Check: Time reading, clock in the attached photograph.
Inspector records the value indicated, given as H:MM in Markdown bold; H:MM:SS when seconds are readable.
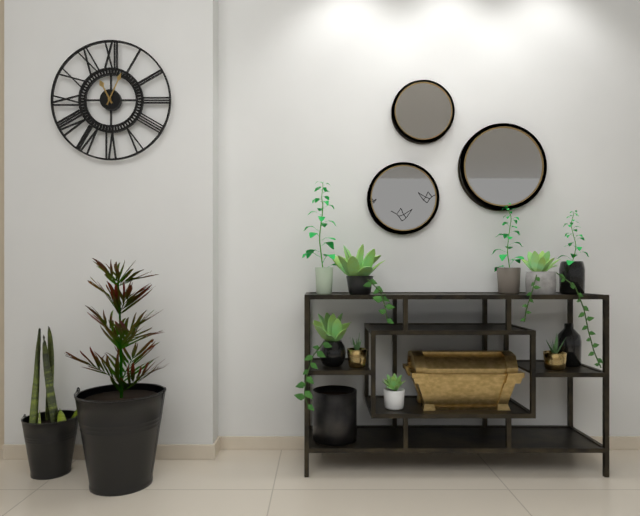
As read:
**11:04**
